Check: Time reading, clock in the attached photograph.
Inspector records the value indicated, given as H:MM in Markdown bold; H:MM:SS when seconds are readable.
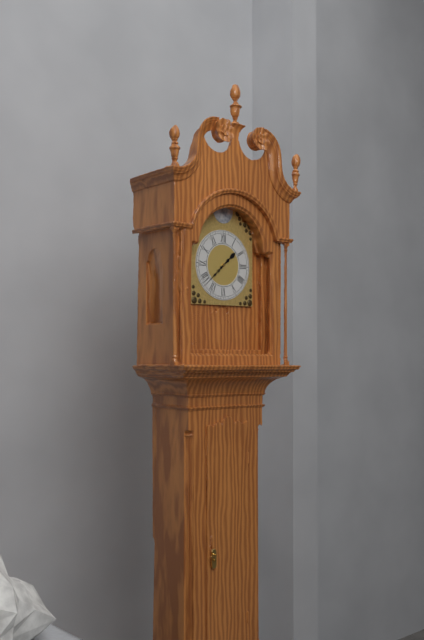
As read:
**1:38**
